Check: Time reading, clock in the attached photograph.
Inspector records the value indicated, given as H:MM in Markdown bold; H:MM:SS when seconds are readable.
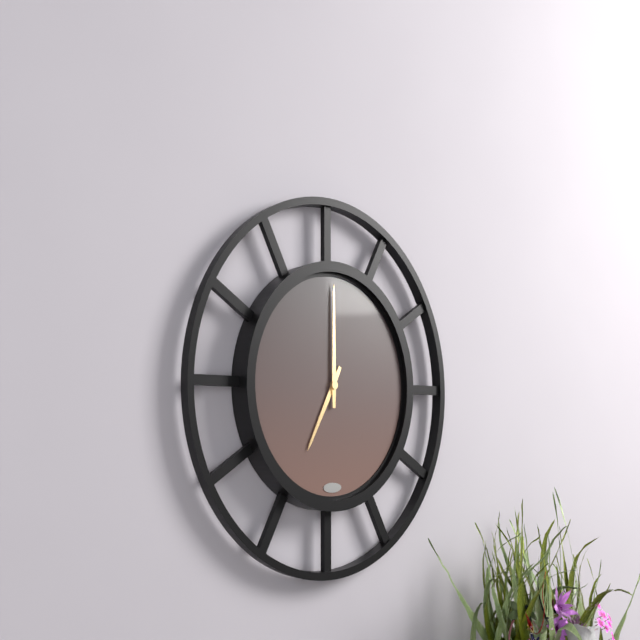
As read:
**7:00**
